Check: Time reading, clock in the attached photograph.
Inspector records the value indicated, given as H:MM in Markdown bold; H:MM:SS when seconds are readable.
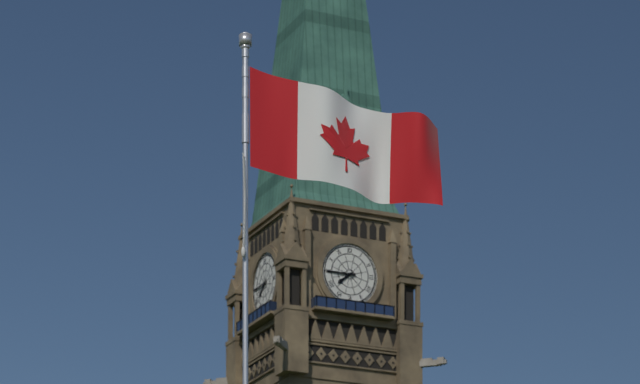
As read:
**7:45**
